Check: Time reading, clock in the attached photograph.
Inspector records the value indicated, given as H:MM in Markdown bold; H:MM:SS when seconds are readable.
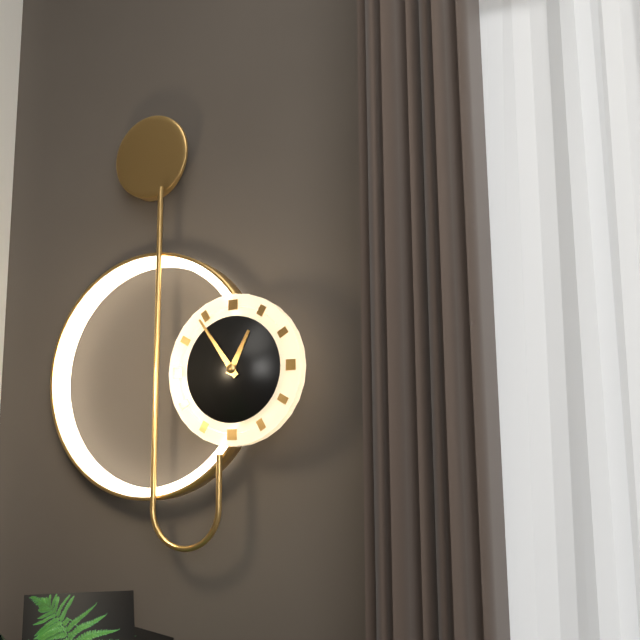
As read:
**12:54**
